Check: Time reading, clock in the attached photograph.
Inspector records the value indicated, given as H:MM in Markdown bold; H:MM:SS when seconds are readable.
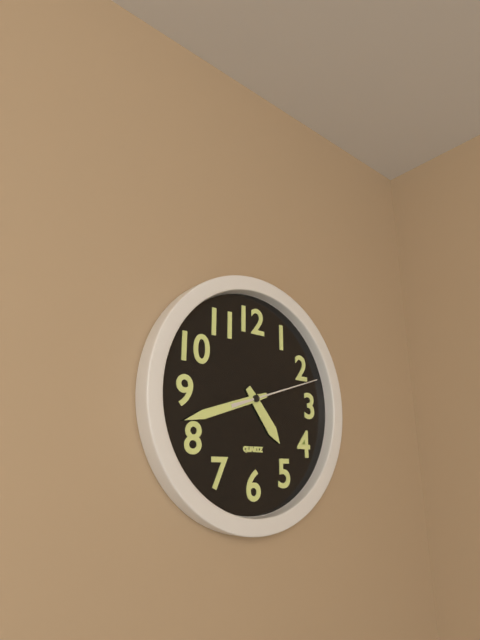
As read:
**4:42:12**
